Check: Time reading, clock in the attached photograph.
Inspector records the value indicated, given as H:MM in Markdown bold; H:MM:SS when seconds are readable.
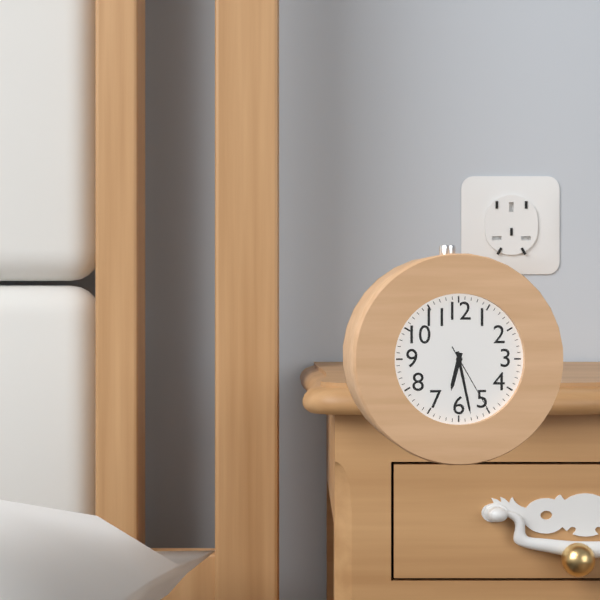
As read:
**6:28:25**
